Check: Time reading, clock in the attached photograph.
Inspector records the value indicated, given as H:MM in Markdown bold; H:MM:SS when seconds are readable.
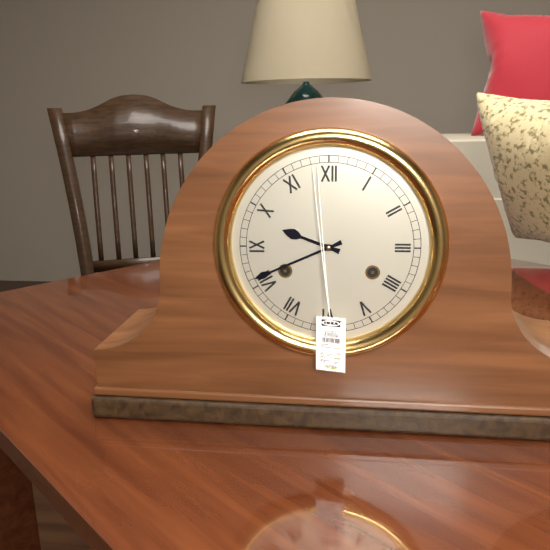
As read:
**9:41**
